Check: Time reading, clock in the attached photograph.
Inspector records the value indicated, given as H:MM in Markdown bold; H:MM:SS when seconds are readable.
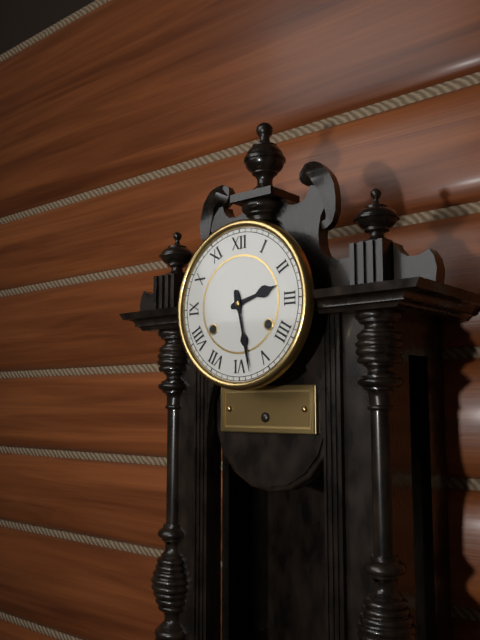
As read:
**2:28**
